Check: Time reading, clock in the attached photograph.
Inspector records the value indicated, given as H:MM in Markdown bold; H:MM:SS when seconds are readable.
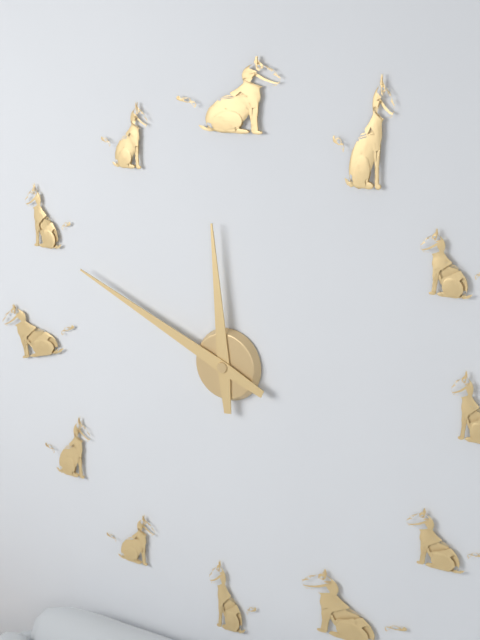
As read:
**11:49**
